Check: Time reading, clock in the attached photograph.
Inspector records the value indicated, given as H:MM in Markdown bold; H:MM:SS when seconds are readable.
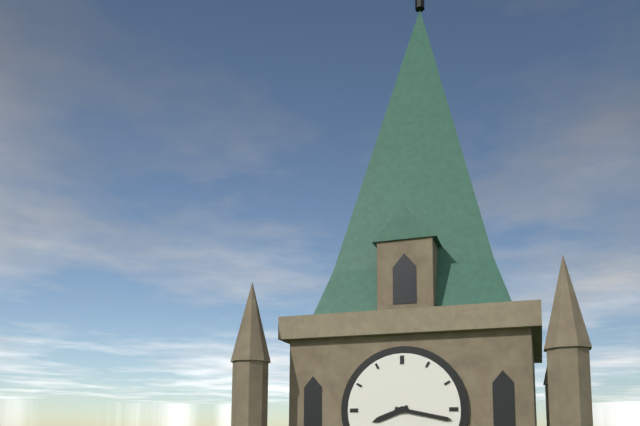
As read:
**8:17**
